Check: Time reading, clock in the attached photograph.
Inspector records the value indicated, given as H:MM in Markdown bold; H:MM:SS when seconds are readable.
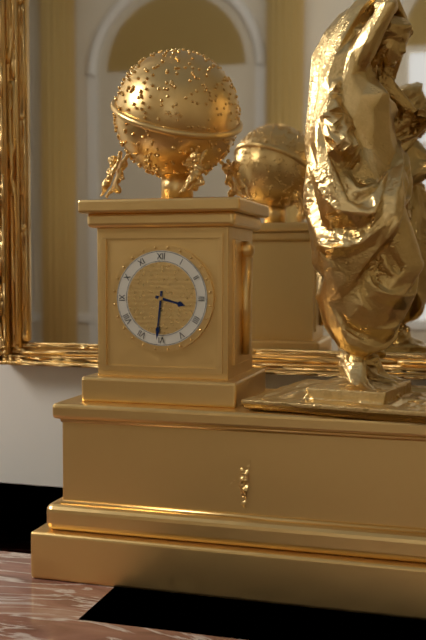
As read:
**3:31**
